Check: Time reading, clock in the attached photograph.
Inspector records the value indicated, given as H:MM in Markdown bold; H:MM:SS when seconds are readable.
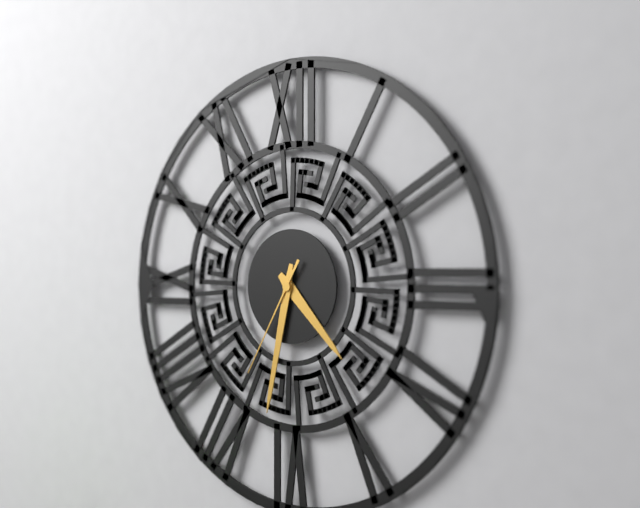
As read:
**4:32:35**
